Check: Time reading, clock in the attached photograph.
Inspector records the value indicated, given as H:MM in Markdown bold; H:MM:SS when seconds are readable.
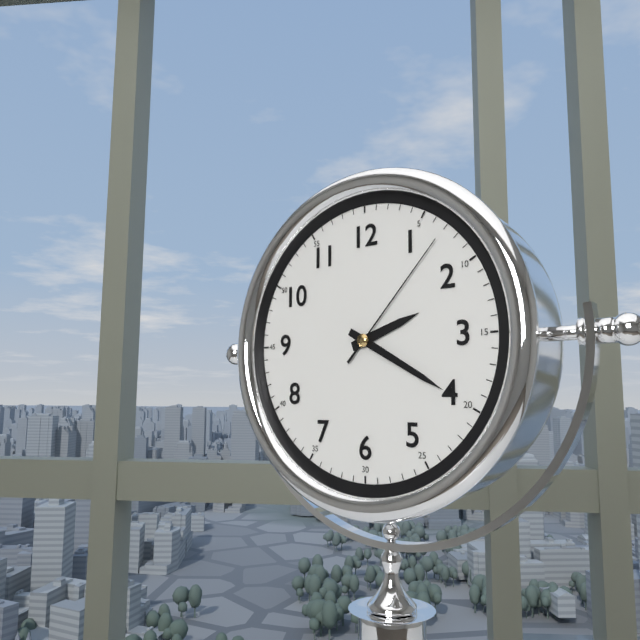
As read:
**2:20:07**
